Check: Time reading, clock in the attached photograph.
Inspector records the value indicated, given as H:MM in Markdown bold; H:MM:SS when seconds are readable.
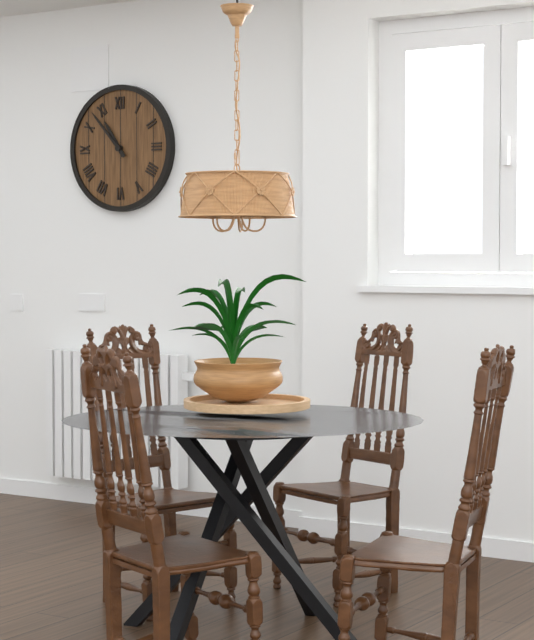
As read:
**10:53**
